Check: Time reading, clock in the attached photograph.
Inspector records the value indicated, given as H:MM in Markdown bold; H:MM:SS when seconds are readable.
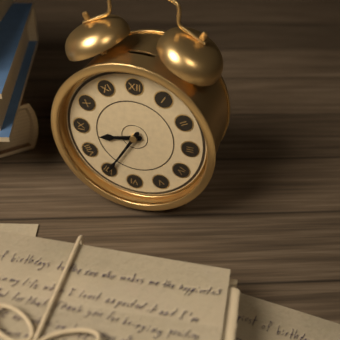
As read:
**8:35**
